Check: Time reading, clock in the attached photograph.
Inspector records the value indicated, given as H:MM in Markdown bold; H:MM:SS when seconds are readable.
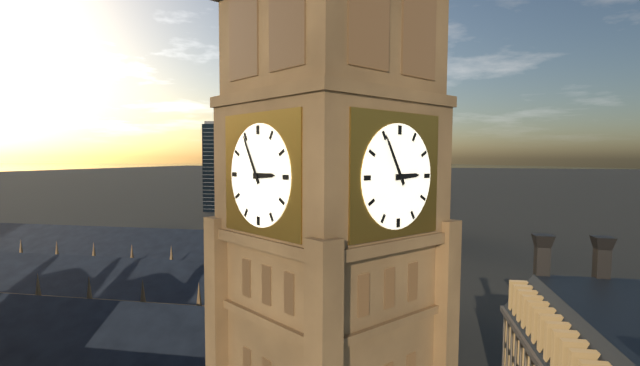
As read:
**2:55**
